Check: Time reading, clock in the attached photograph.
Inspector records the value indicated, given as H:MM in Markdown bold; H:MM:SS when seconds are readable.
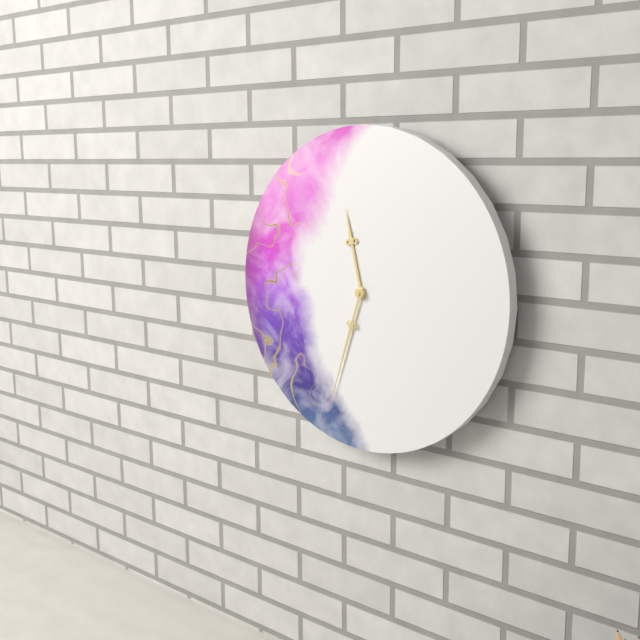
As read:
**11:33**
